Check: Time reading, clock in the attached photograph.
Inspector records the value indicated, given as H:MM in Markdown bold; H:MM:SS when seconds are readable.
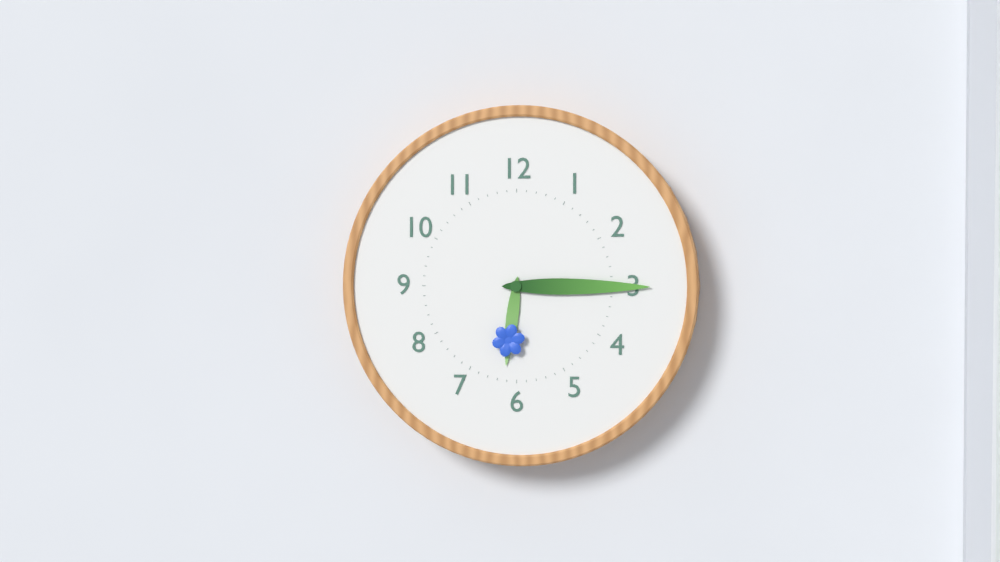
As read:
**6:15**
